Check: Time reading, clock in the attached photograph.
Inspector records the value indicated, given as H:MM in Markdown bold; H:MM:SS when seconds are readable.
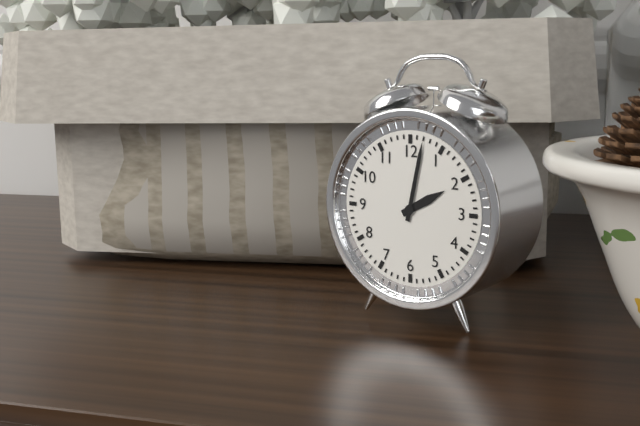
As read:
**2:02**
